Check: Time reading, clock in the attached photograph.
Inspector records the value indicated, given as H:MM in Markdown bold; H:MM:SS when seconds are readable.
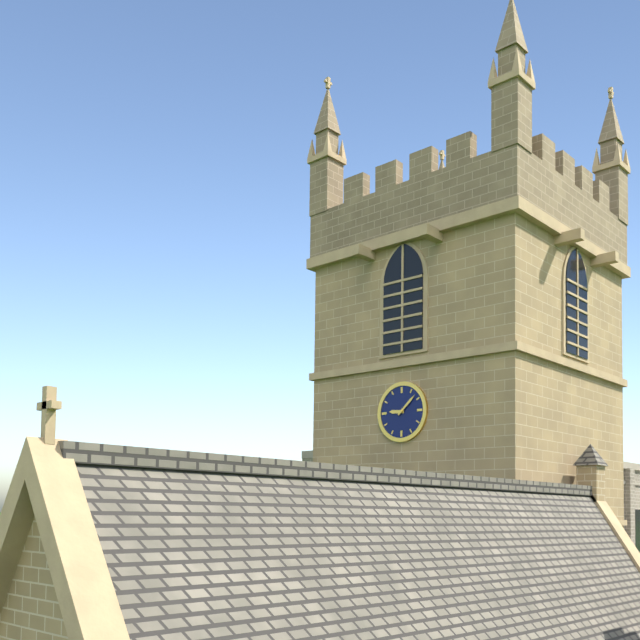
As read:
**9:08**
